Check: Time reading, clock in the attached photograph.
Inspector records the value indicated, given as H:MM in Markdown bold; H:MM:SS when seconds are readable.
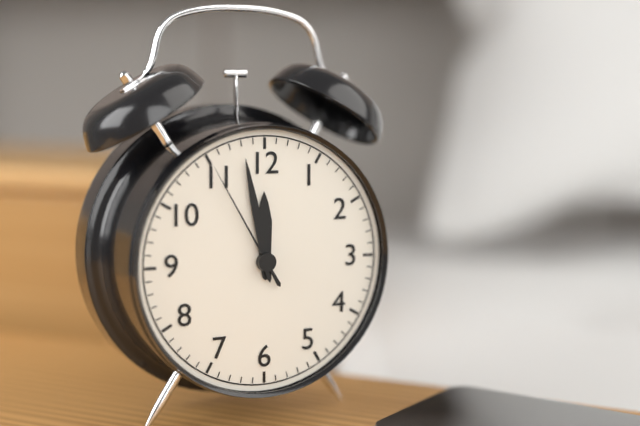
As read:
**11:58:55**
